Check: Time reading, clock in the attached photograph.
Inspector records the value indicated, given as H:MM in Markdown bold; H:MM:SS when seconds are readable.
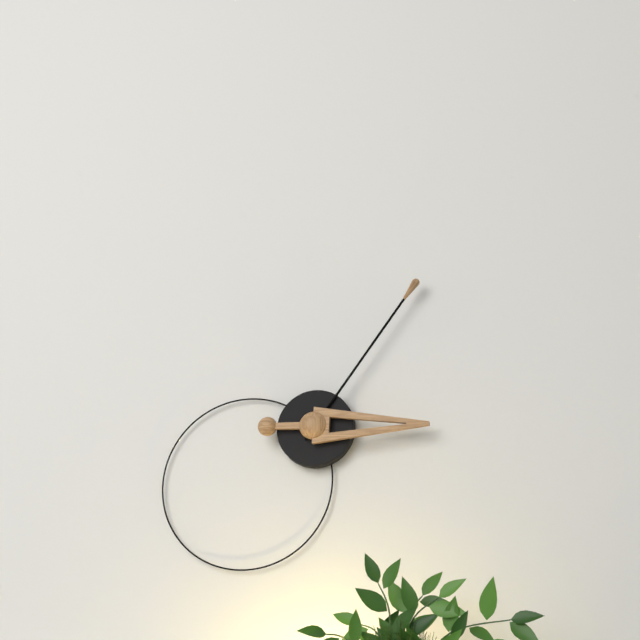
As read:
**3:06**
